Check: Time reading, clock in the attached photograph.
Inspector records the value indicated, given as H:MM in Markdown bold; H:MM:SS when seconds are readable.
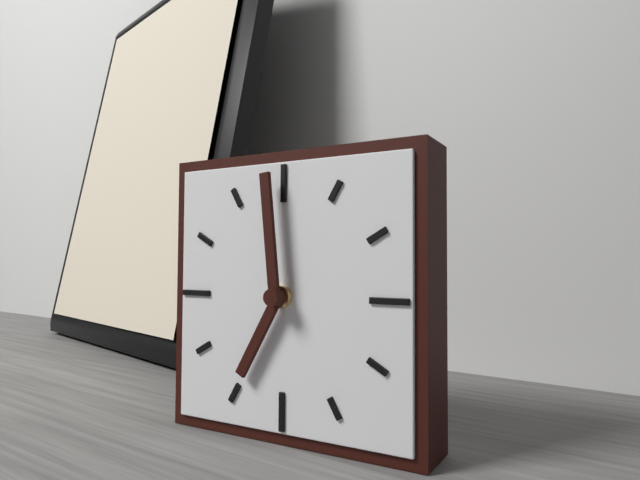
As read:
**6:59**
